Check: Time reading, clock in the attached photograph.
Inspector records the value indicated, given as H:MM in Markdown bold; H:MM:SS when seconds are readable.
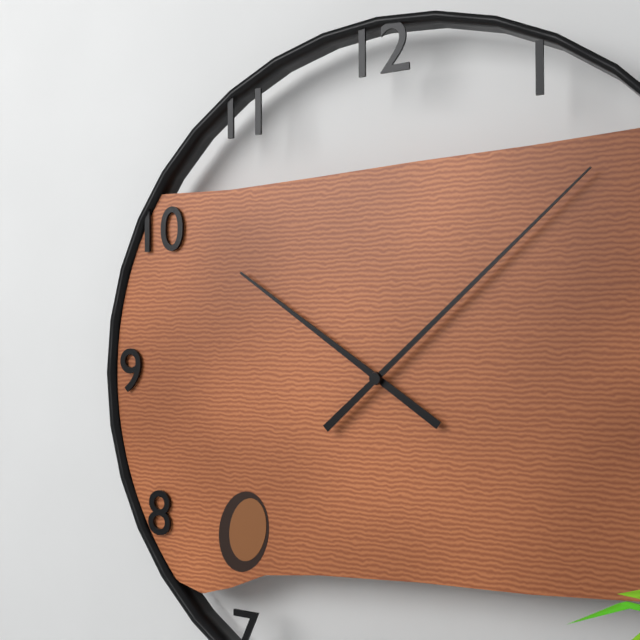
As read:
**10:08**
